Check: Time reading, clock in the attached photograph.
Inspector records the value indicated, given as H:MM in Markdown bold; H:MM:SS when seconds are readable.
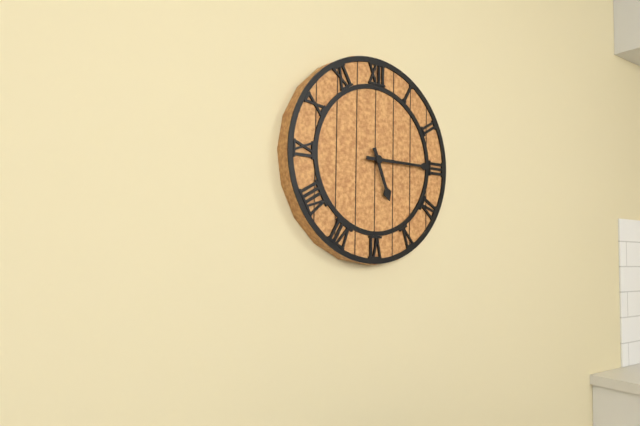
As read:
**5:15**
